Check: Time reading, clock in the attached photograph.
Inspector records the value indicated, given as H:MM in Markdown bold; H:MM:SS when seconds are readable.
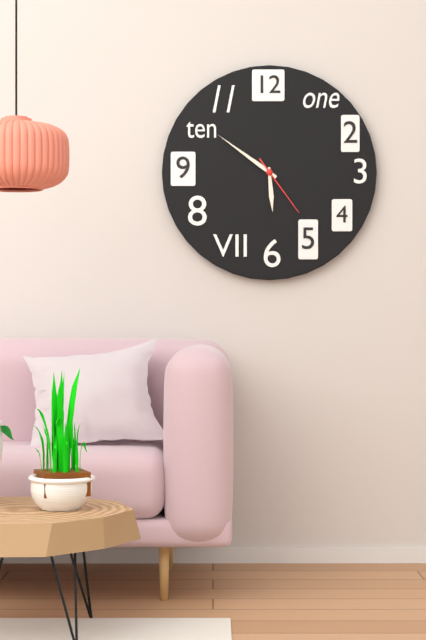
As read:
**5:51:24**
